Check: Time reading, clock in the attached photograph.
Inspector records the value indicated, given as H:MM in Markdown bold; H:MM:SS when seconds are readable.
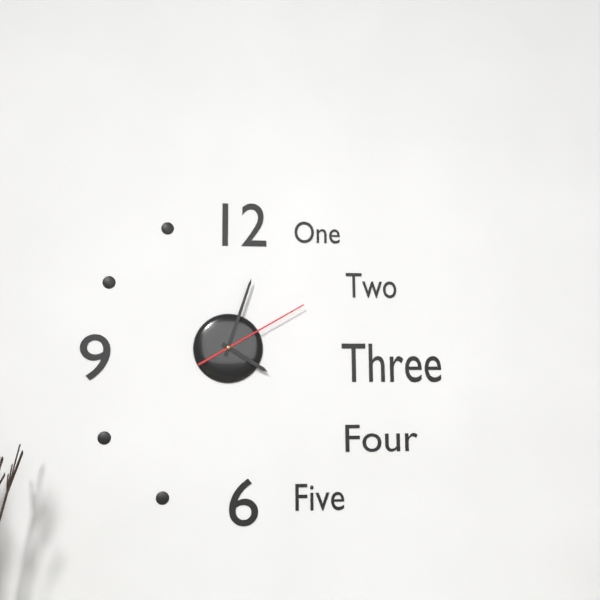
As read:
**4:03:10**
